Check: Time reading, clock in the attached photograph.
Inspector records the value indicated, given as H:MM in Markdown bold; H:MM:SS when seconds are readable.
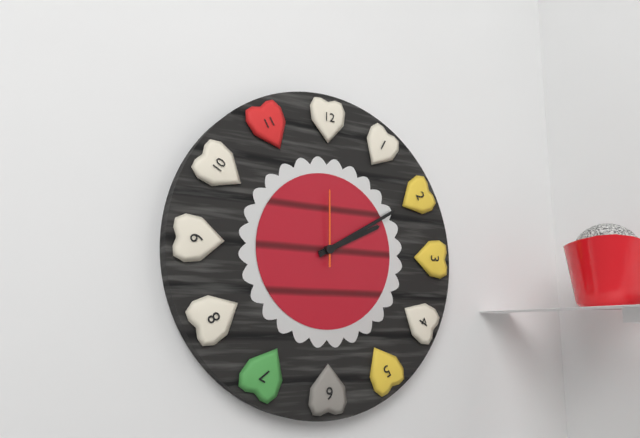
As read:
**2:10:00**
